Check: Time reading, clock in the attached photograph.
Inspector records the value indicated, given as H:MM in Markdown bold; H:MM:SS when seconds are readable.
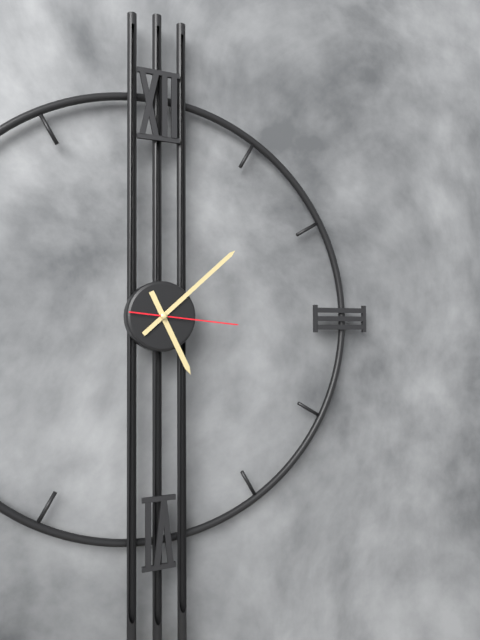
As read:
**5:08:16**
